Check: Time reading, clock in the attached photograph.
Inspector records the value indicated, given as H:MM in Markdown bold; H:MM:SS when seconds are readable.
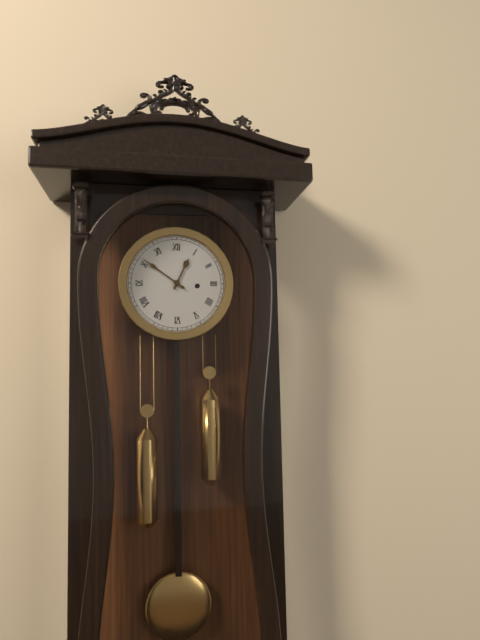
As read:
**12:51**
